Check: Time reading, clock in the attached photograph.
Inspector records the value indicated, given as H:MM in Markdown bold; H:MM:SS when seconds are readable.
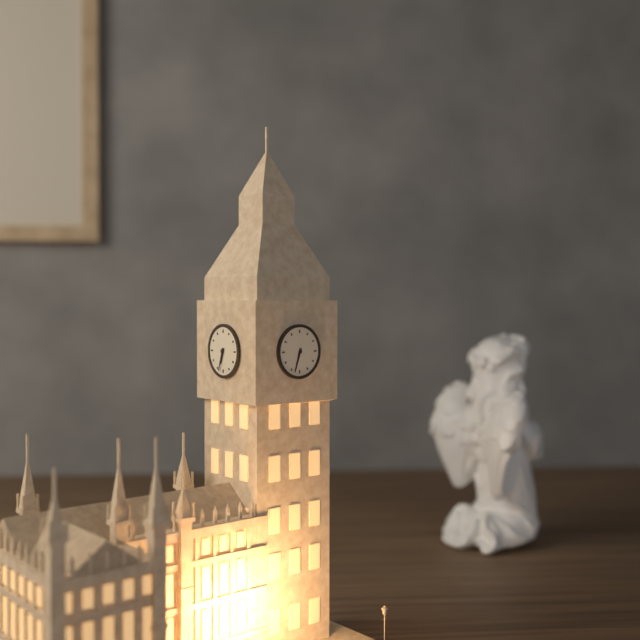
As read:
**6:33**
